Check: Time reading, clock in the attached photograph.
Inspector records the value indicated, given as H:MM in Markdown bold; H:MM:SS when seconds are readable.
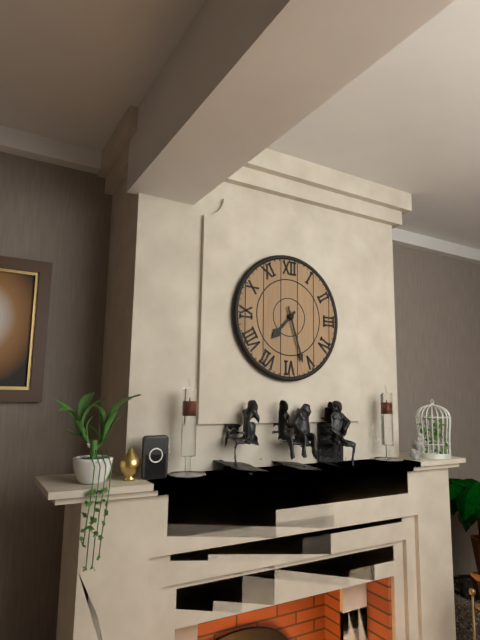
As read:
**7:27**
